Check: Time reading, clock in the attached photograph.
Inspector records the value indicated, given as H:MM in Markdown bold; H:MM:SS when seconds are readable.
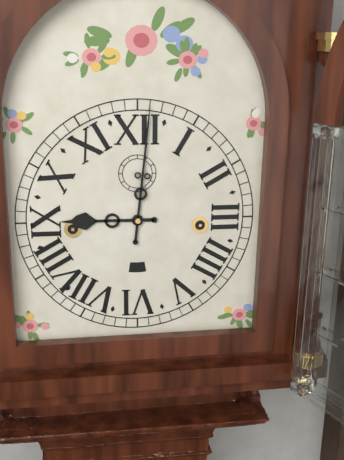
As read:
**9:01**
